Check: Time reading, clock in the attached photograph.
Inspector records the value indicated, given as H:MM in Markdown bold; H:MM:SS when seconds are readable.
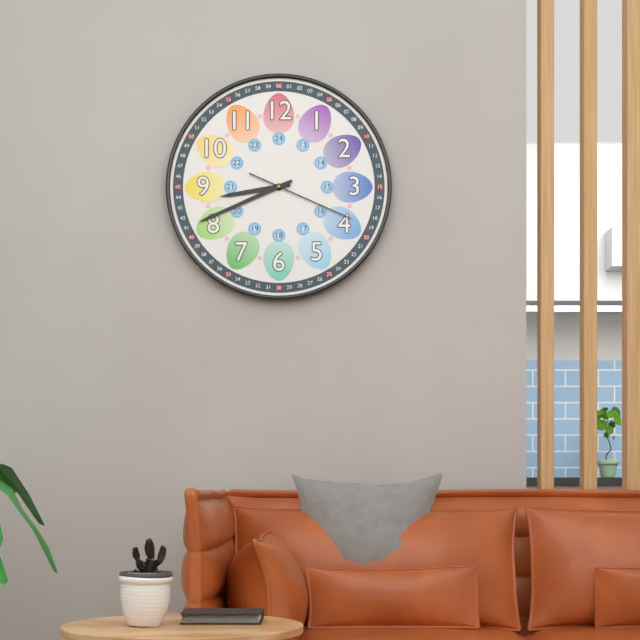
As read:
**8:41:19**
